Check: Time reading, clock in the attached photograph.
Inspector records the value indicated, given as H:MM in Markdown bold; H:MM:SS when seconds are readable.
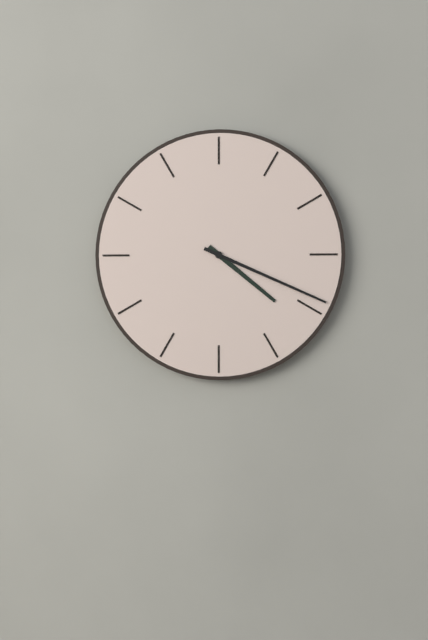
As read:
**4:19**
